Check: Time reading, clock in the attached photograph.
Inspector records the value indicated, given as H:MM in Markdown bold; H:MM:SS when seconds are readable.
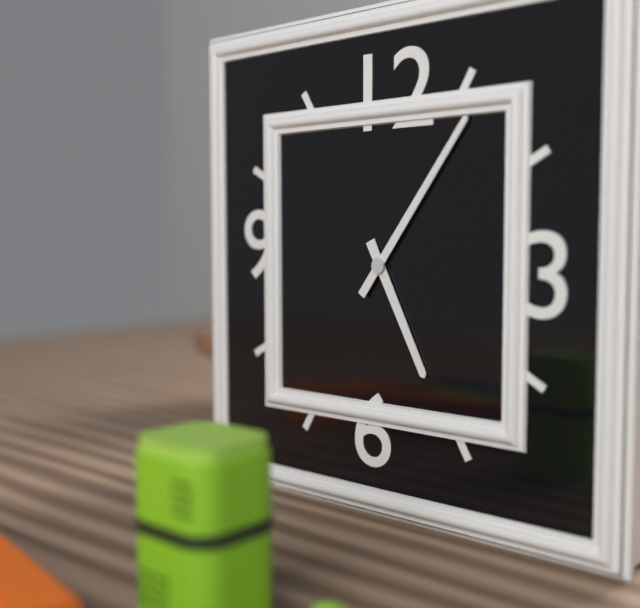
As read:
**5:06**
